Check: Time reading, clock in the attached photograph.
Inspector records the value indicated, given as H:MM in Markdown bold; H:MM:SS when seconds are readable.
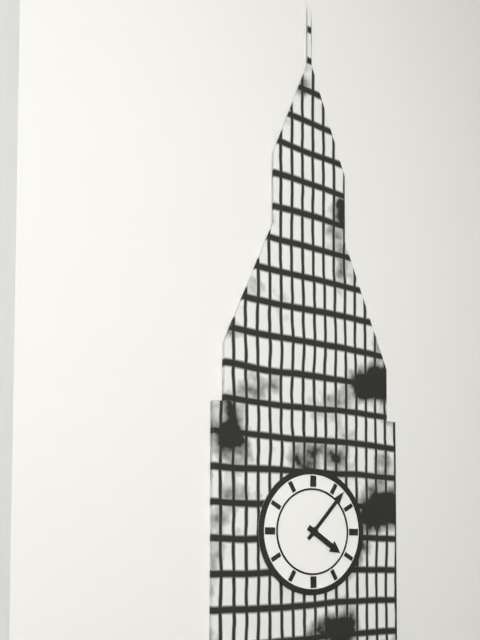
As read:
**4:07**
